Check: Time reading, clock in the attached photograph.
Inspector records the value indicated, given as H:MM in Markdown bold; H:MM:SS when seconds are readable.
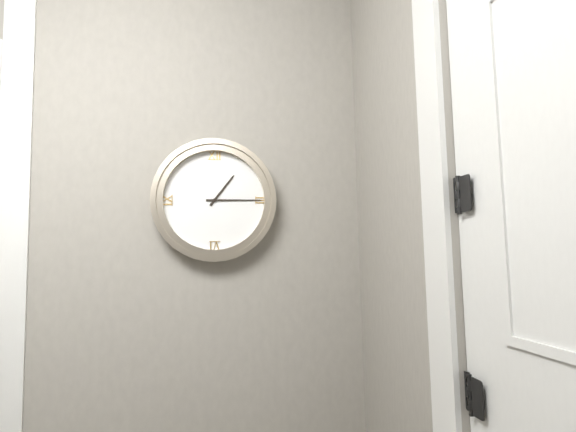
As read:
**1:15**
